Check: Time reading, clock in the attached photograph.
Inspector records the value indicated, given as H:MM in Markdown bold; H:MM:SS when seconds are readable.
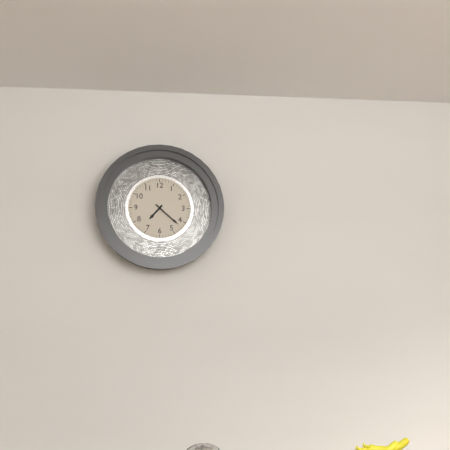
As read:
**7:22**
